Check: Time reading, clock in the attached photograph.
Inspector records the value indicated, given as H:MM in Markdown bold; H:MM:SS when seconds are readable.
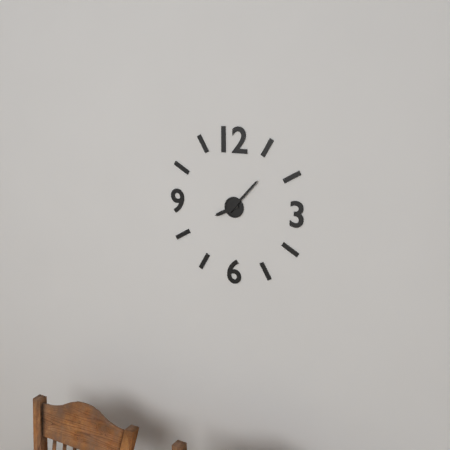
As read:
**8:07**
